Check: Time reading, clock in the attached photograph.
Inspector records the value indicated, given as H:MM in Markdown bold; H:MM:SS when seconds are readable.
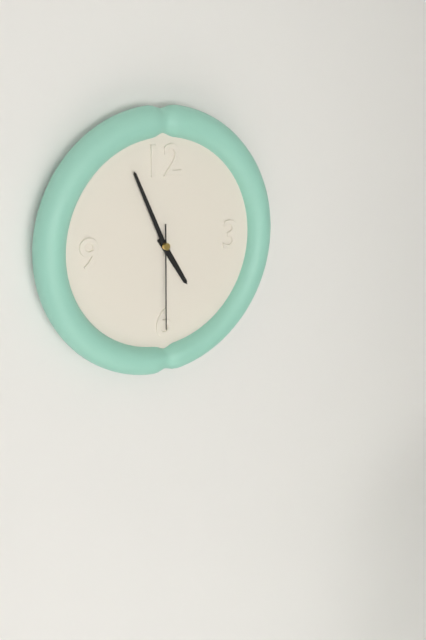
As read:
**4:56:30**
